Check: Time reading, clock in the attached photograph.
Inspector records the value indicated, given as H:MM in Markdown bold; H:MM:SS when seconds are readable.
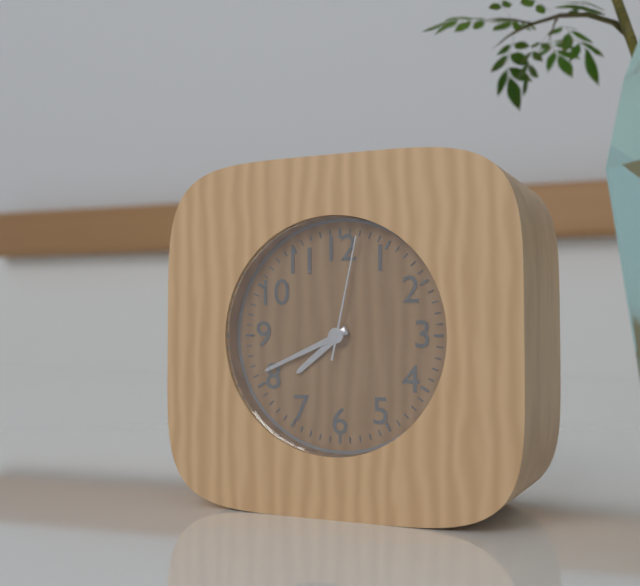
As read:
**7:41:02**
